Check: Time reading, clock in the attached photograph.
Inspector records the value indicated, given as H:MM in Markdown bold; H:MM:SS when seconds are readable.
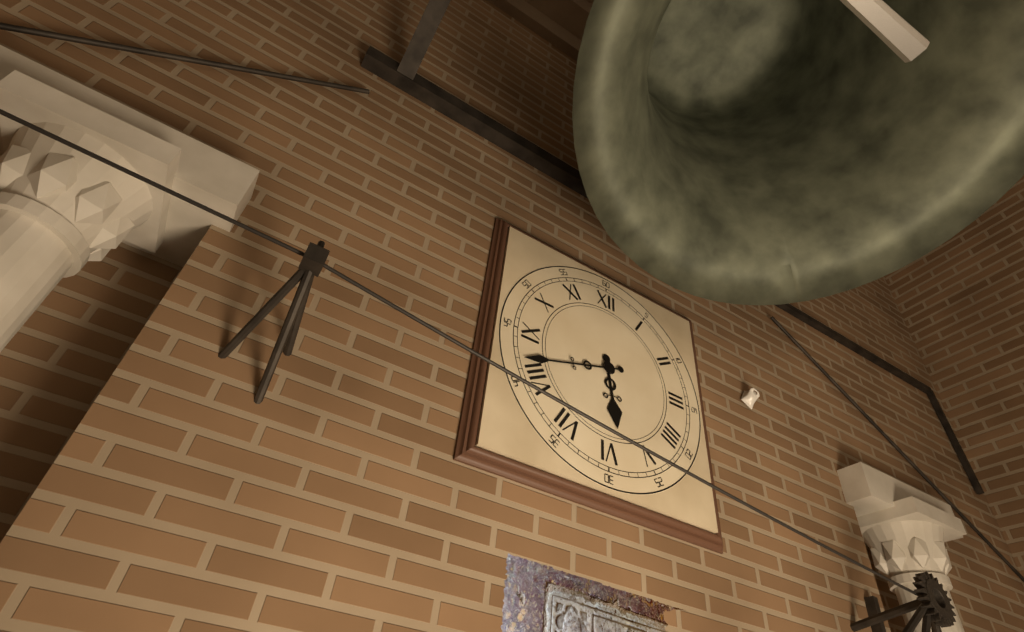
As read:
**5:42**
